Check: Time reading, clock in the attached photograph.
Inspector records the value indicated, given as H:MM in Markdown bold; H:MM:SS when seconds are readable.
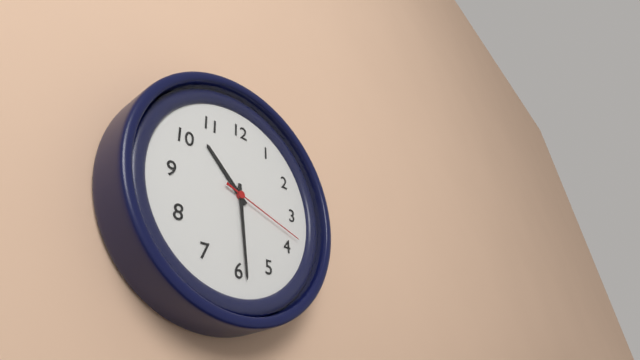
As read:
**10:29:18**
